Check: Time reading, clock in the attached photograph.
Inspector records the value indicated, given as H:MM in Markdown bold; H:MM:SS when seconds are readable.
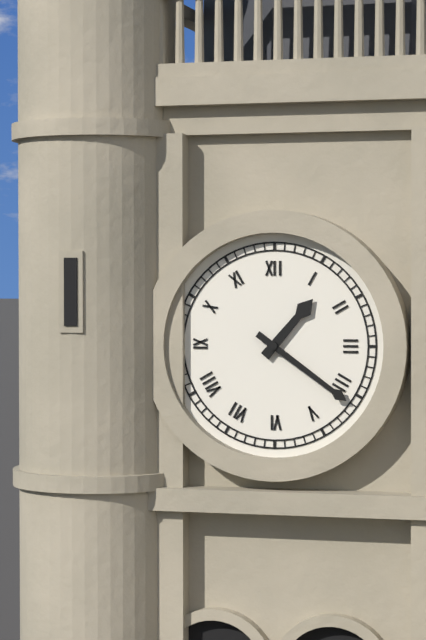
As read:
**1:21**
